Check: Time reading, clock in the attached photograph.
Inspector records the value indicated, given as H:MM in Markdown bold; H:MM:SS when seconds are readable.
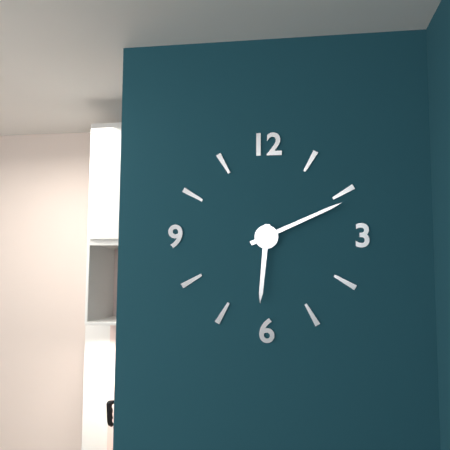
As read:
**6:11**
